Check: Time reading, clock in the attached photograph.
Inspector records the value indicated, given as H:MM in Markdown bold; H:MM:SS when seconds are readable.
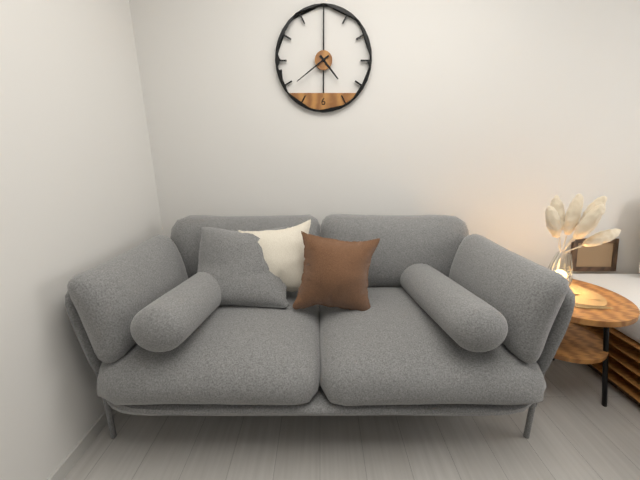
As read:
**4:39**
